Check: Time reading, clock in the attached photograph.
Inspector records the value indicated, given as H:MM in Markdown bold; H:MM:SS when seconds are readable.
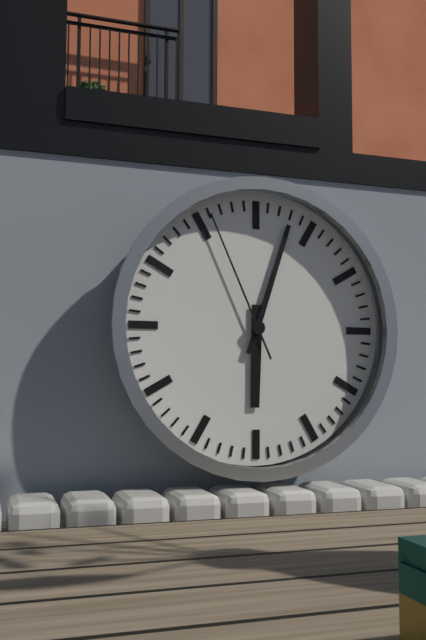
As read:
**6:03:56**
